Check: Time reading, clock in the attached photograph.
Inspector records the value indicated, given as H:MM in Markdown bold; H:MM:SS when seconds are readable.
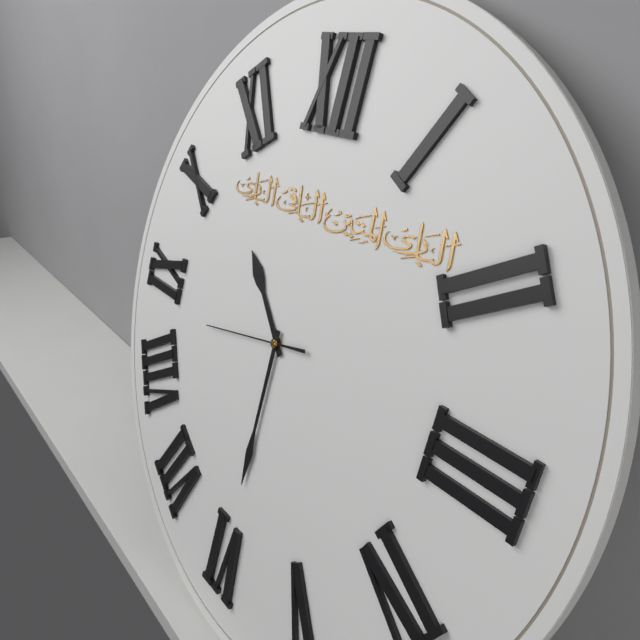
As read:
**10:30:43**
